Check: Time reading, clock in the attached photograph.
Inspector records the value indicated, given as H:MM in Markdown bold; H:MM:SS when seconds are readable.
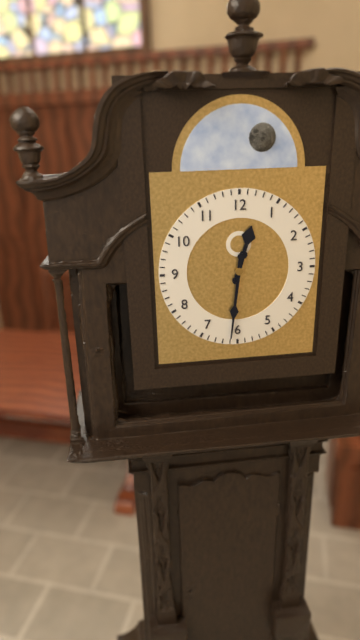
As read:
**12:31**
